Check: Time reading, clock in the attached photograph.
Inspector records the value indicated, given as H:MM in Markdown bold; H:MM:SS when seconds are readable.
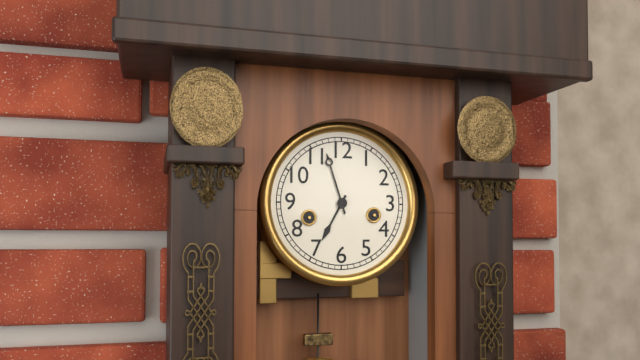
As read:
**6:57**
